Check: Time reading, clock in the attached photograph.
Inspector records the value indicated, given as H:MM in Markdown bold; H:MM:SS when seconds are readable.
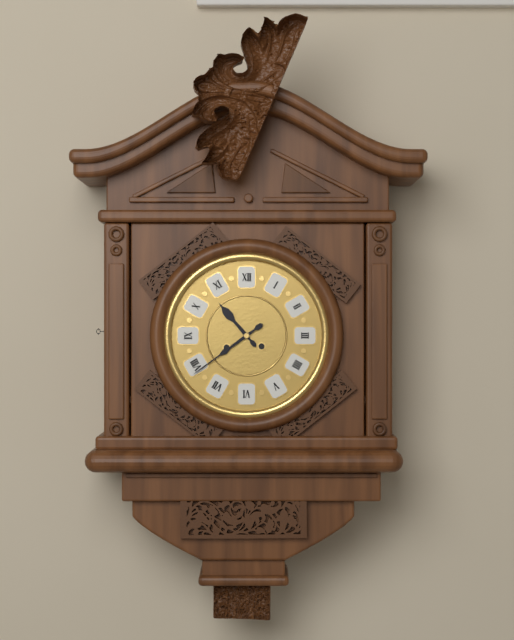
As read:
**10:39**
